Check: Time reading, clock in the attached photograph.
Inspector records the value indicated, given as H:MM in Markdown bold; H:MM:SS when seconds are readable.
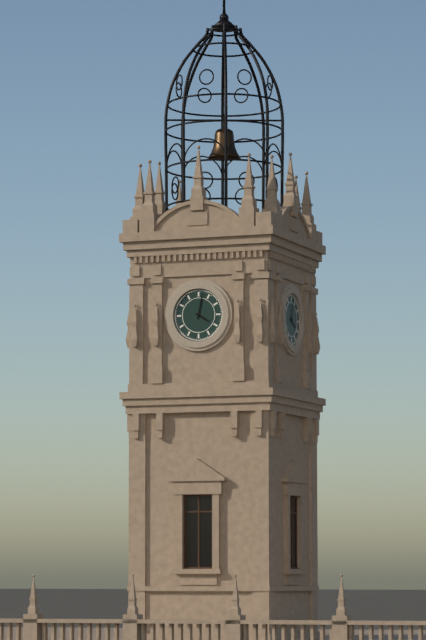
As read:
**4:02**
